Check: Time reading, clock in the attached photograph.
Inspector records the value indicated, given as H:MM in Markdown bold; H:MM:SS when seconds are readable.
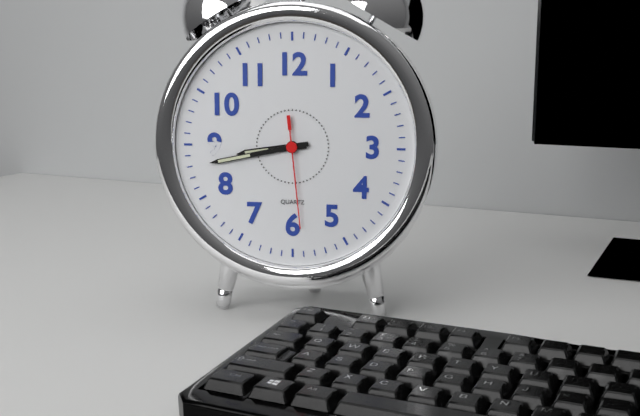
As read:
**8:43:29**
